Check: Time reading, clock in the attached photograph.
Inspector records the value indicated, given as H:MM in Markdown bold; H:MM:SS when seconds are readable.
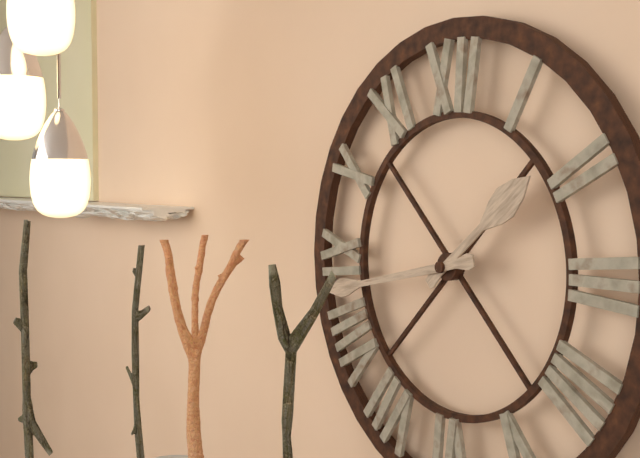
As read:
**1:43**
